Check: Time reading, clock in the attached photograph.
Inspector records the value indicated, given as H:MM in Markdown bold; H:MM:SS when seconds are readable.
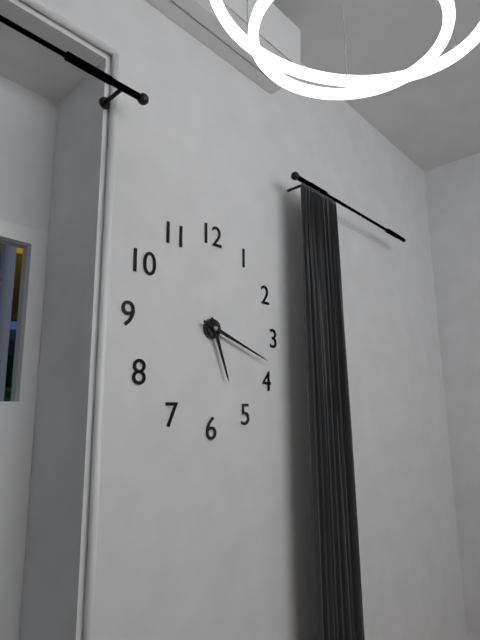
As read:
**5:18**
